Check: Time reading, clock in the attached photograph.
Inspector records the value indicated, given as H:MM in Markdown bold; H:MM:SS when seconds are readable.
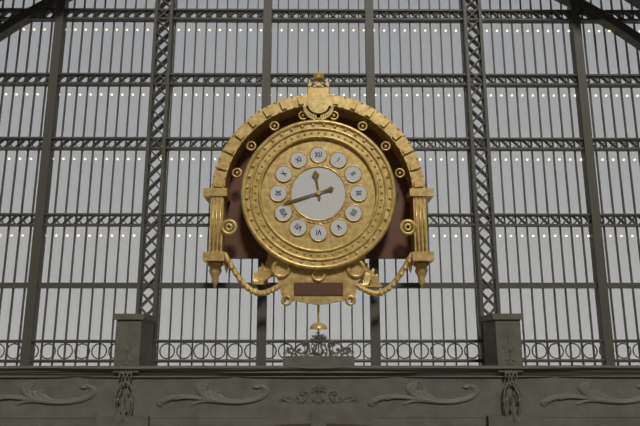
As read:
**11:42**
